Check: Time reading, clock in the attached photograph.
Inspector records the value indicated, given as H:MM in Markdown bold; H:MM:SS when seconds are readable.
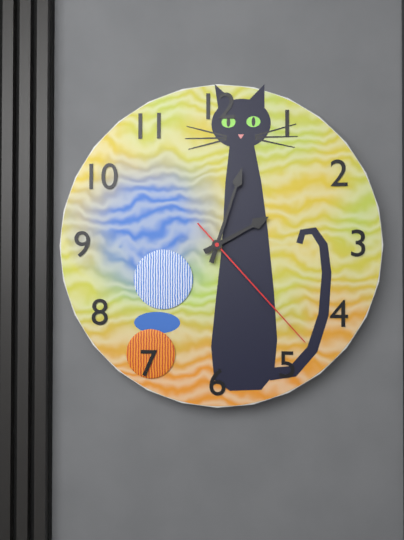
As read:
**2:03:23**
